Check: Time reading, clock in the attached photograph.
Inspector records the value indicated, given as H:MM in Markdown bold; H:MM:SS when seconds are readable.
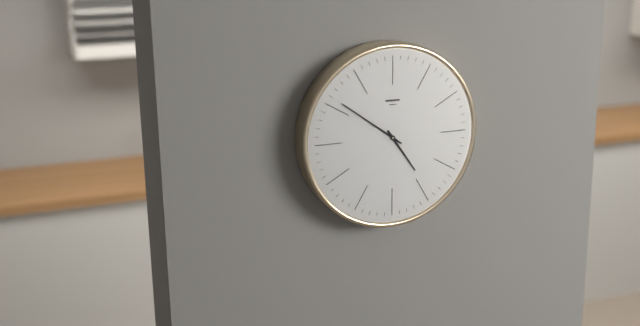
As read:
**4:51**
